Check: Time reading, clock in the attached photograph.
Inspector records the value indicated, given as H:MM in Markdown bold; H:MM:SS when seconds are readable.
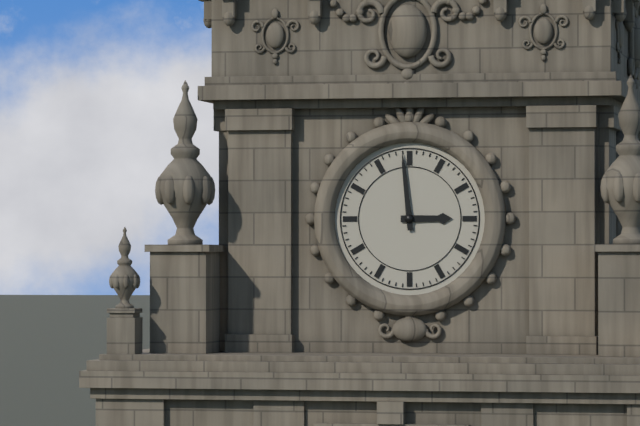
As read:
**2:59**
